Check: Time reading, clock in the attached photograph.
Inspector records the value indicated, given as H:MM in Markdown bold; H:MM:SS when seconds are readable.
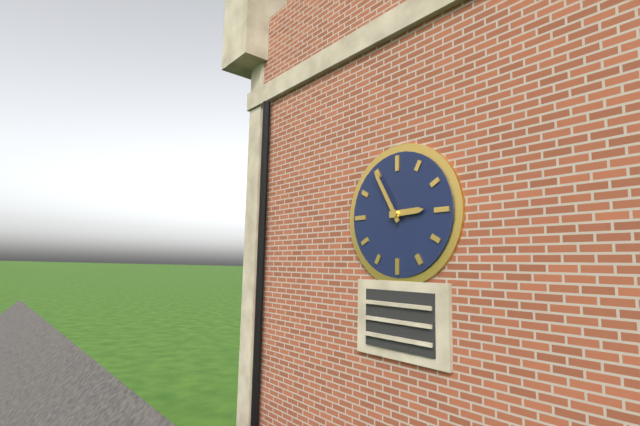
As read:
**2:55**
